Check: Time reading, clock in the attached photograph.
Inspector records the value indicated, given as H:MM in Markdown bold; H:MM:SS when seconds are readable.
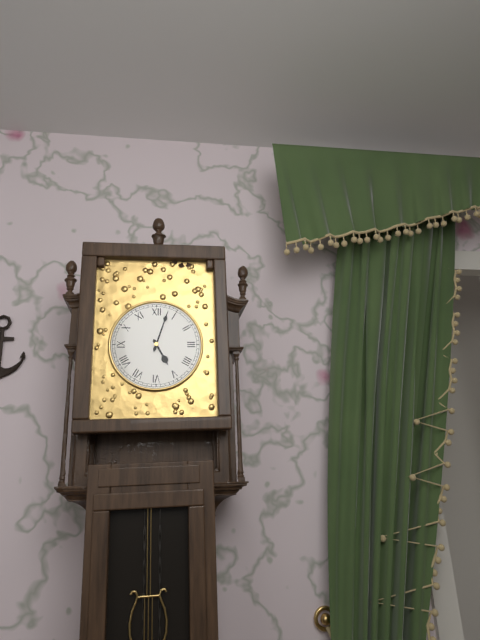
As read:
**5:03**
